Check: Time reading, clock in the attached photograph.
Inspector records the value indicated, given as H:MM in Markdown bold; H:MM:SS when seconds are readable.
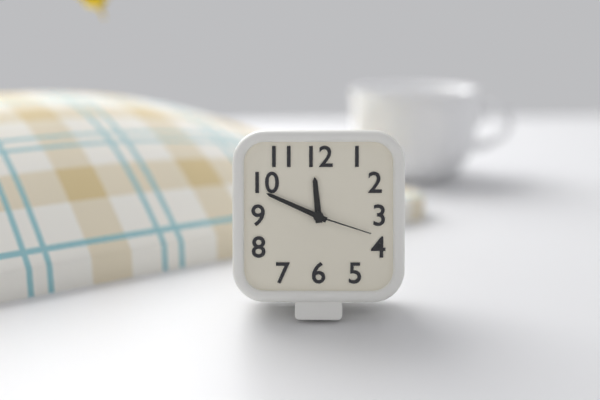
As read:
**11:49:18**
